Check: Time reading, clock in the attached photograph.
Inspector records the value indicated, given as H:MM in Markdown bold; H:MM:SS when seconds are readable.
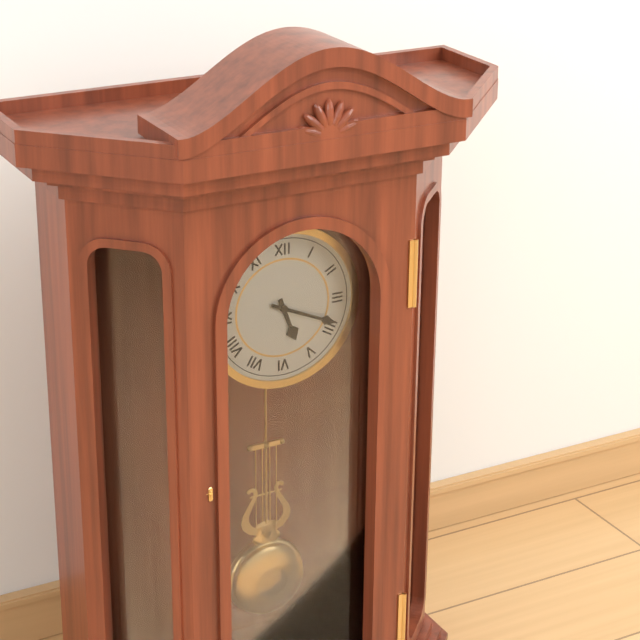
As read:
**5:19**
